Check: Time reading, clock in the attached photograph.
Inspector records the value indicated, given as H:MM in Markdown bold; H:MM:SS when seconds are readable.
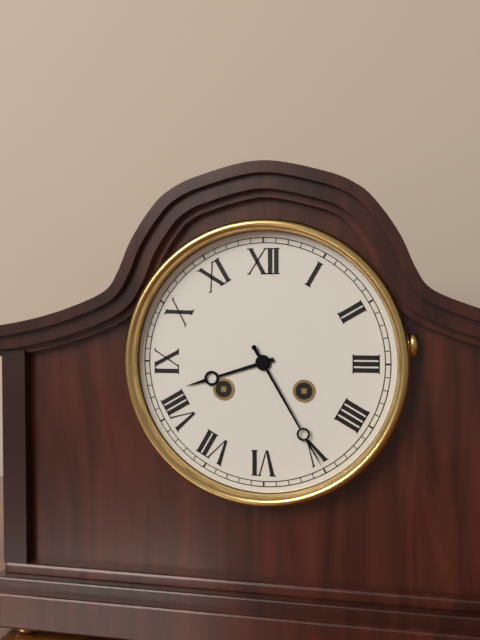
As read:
**8:25**
